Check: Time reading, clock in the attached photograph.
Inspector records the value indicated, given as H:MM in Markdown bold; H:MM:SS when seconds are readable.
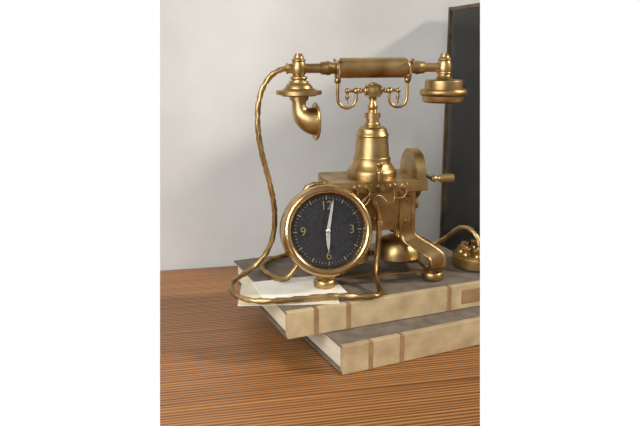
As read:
**6:02**
